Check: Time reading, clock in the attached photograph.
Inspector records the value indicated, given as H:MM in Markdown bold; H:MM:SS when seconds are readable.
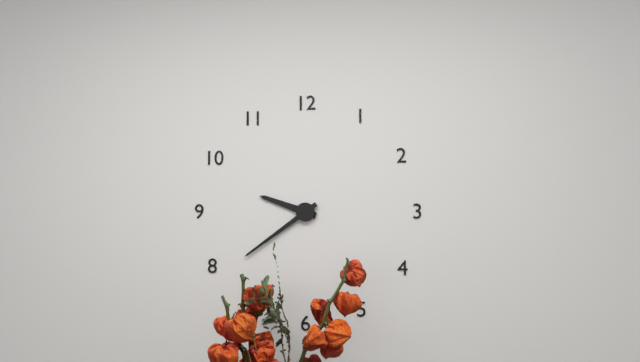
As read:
**9:39**
